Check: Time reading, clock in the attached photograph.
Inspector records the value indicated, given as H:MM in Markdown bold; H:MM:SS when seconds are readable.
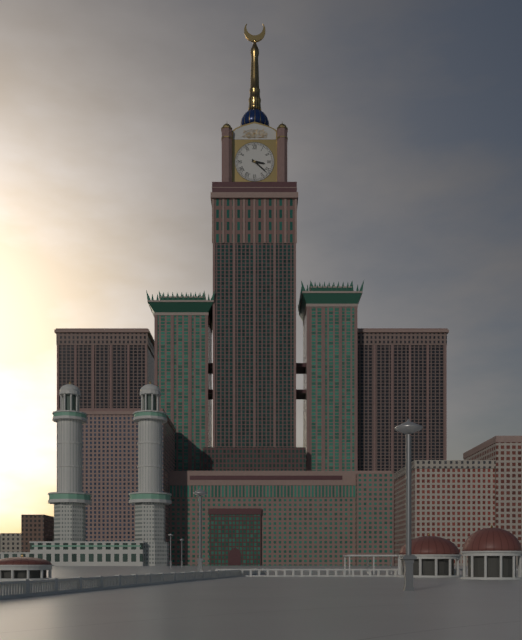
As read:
**3:22**
